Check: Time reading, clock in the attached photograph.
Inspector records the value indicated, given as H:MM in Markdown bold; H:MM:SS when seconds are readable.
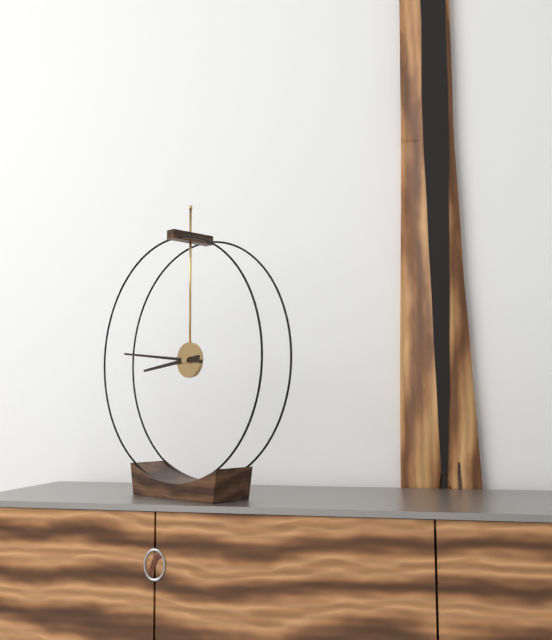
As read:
**8:46**
